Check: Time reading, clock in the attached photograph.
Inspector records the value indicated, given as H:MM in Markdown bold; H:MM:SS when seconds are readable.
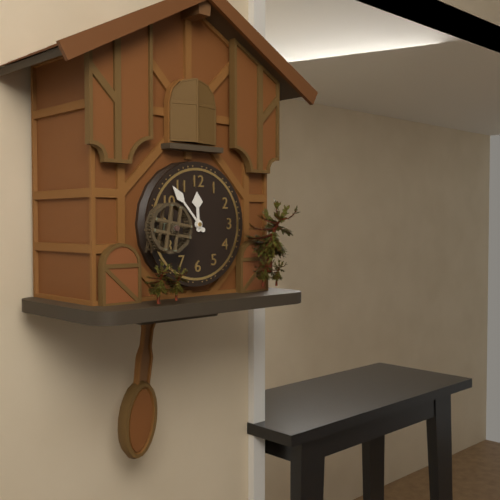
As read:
**11:53**
